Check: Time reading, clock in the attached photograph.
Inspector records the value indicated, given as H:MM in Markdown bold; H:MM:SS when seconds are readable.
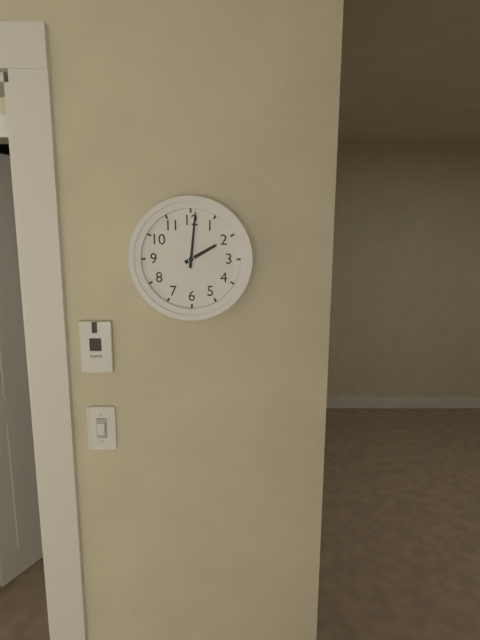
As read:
**2:01**
